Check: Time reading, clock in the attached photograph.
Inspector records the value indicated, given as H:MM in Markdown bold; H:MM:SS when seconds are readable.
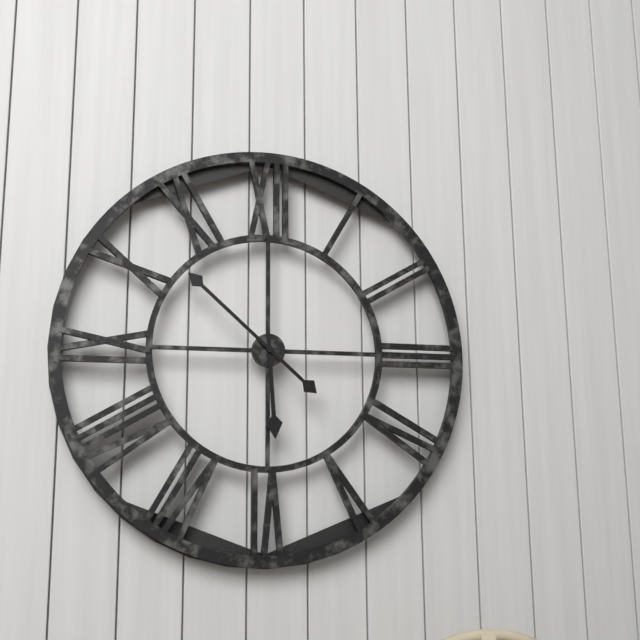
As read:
**5:52**
